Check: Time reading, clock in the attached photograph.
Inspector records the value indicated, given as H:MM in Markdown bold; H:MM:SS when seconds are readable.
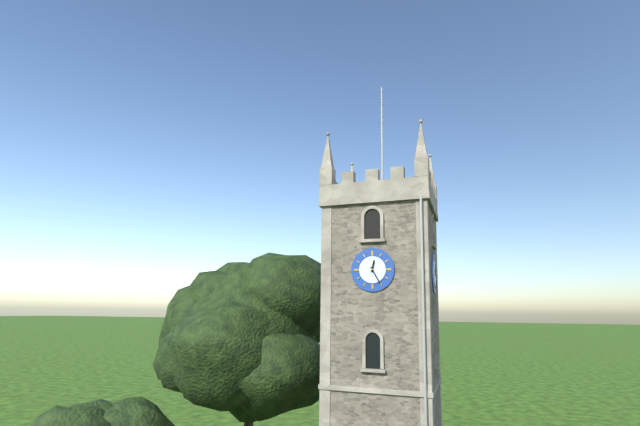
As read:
**12:25**
